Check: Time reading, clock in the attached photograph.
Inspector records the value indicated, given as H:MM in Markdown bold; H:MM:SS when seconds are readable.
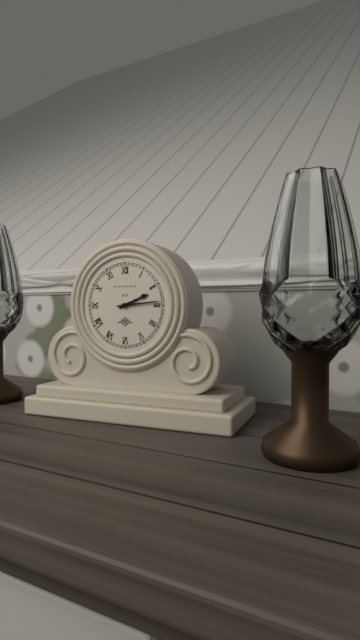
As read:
**2:14**
